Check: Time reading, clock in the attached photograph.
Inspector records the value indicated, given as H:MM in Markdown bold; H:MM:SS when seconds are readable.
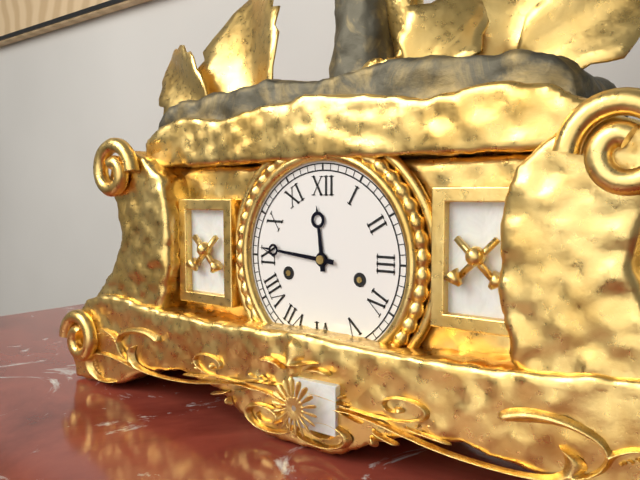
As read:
**11:46**
